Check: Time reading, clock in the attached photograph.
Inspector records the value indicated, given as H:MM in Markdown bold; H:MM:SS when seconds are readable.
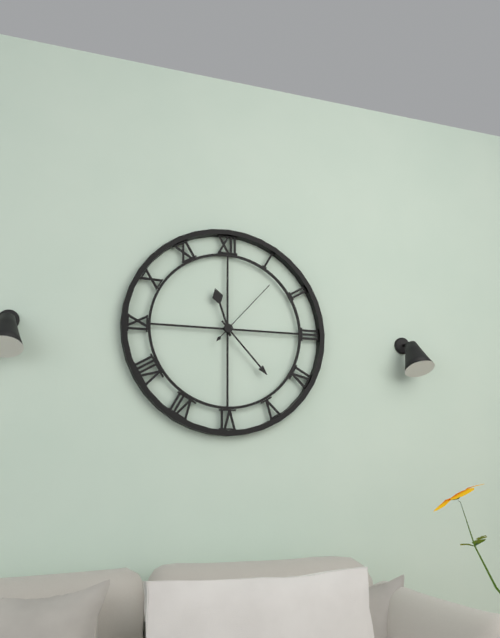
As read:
**11:23:07**
